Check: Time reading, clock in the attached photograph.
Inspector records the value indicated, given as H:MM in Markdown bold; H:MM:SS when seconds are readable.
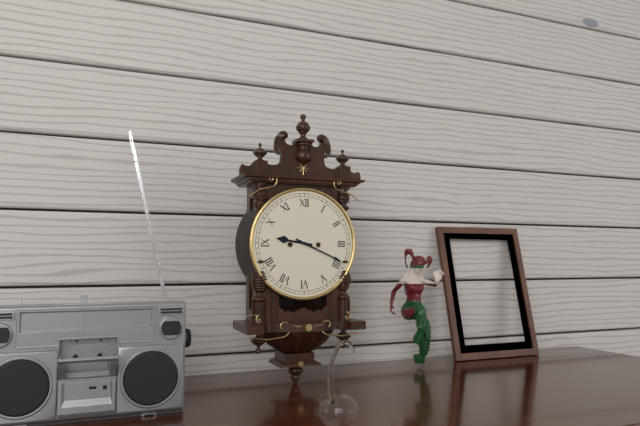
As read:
**9:19**
